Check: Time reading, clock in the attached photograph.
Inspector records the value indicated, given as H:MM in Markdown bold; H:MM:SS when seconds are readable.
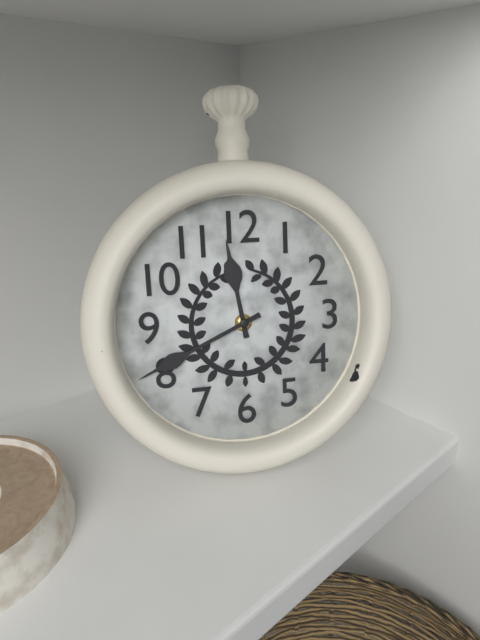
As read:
**11:41**
